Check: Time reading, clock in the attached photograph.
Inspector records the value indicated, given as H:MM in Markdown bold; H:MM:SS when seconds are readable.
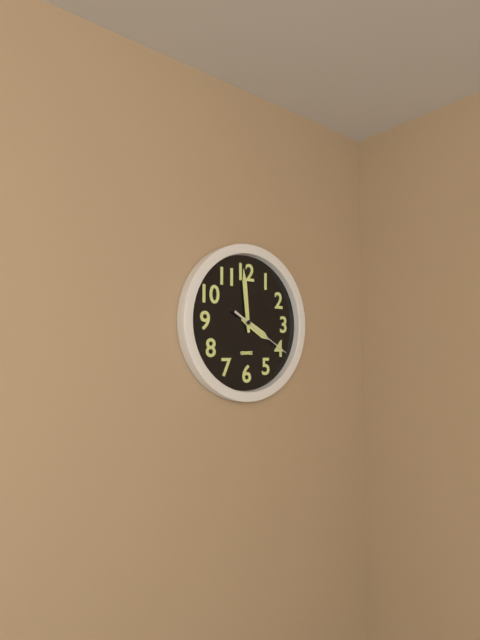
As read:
**3:59:20**
